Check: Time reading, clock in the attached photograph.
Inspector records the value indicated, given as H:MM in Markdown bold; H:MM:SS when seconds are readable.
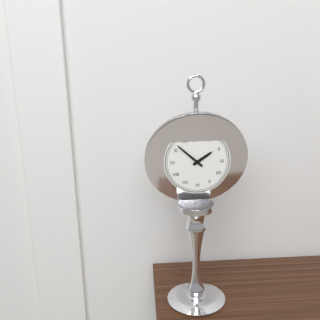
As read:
**1:52**
